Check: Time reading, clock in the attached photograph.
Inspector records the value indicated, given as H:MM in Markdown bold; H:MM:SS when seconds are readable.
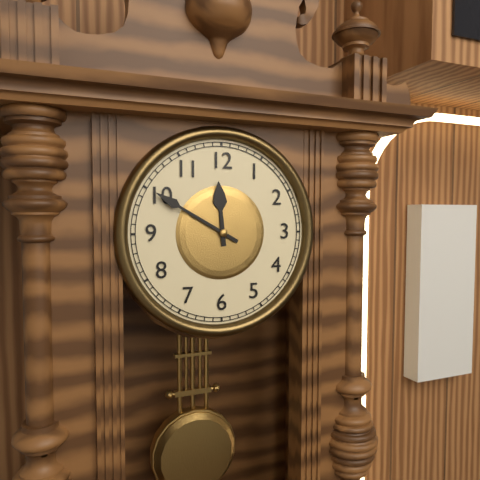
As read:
**11:50**
